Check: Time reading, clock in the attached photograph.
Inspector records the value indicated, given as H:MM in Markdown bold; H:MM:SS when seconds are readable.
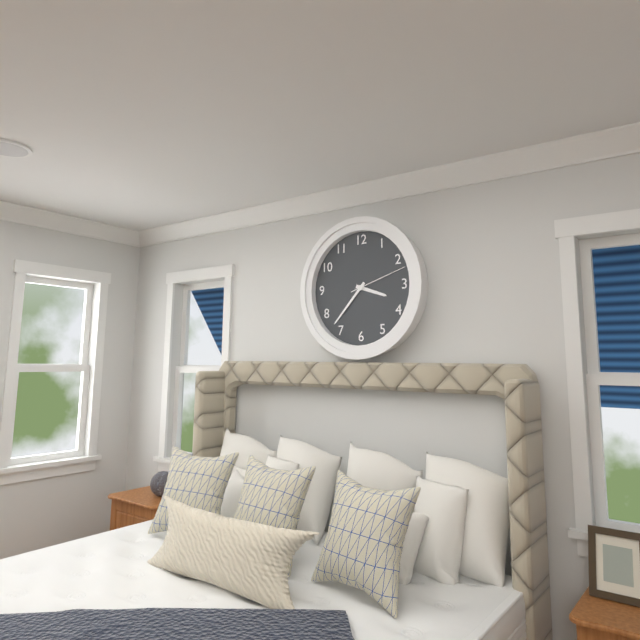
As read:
**3:37:12**
